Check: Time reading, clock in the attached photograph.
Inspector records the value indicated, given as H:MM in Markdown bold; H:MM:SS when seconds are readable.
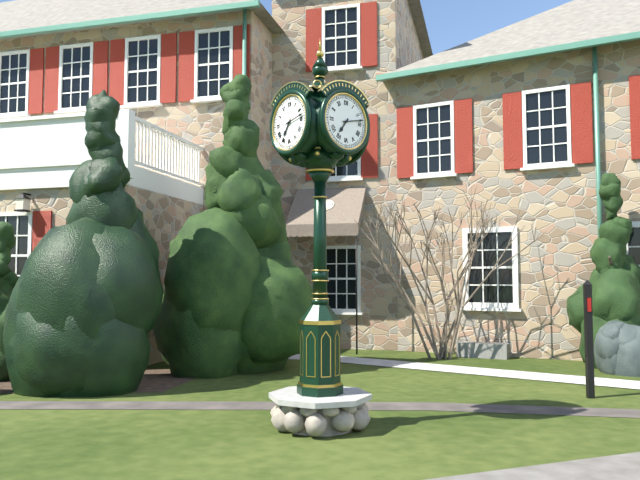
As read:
**7:13**
